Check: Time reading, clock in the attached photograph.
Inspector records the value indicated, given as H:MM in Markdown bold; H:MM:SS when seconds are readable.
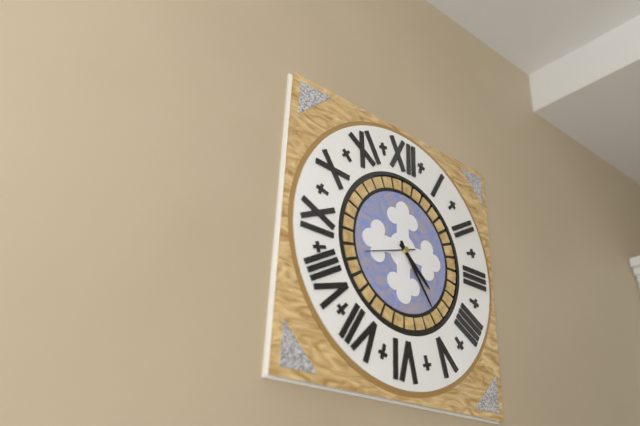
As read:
**4:24**
